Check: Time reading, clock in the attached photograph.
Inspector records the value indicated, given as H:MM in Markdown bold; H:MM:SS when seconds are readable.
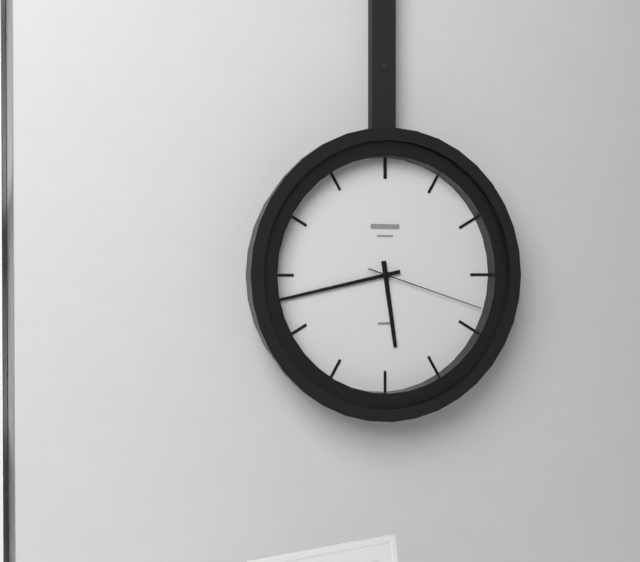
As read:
**5:43:18**
